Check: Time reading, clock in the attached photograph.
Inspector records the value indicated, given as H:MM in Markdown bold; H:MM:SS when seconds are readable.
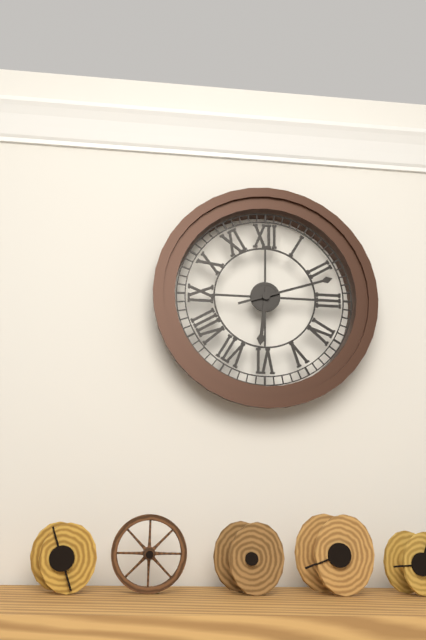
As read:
**6:12**
